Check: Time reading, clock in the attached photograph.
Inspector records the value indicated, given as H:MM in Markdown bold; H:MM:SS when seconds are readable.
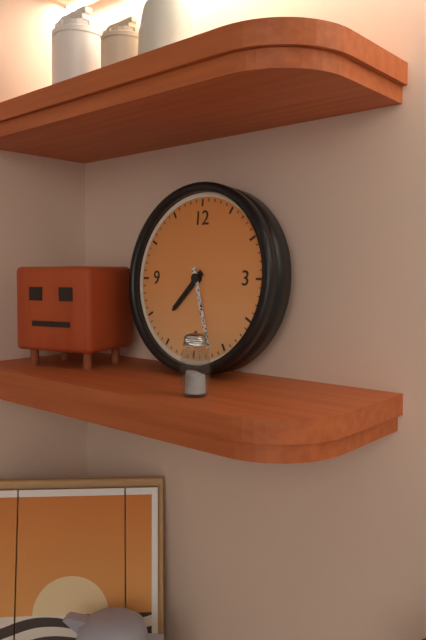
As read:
**7:27**
